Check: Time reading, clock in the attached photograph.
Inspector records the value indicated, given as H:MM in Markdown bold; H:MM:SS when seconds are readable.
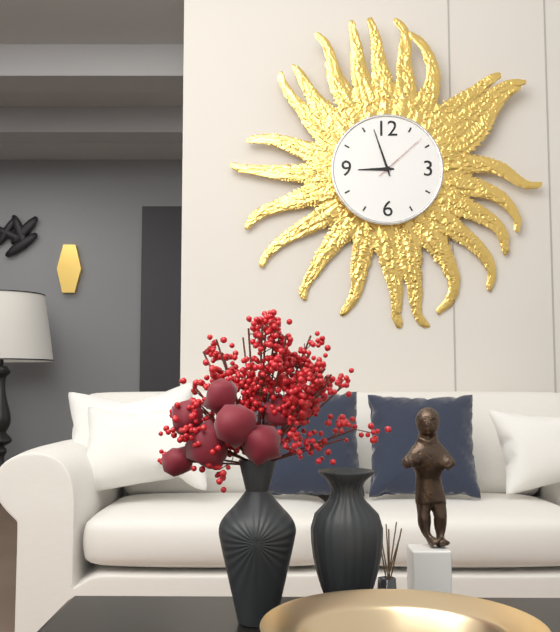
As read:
**8:57:08**
